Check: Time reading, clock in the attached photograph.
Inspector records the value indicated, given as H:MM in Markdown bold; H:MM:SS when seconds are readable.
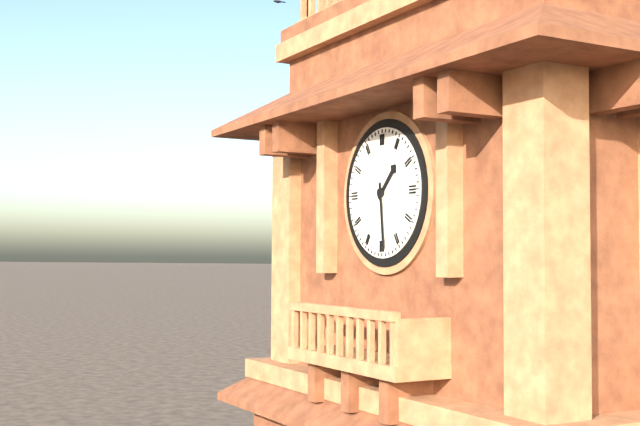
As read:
**1:29**
